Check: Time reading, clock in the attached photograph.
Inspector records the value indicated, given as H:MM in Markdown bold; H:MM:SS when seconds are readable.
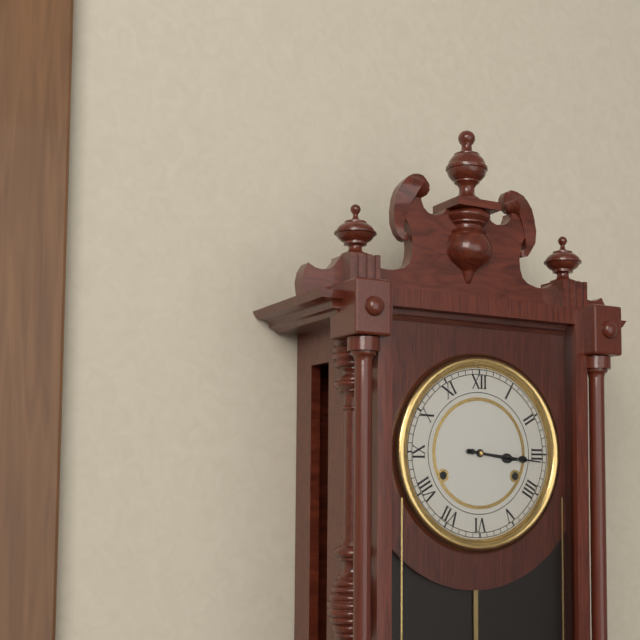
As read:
**3:16**
